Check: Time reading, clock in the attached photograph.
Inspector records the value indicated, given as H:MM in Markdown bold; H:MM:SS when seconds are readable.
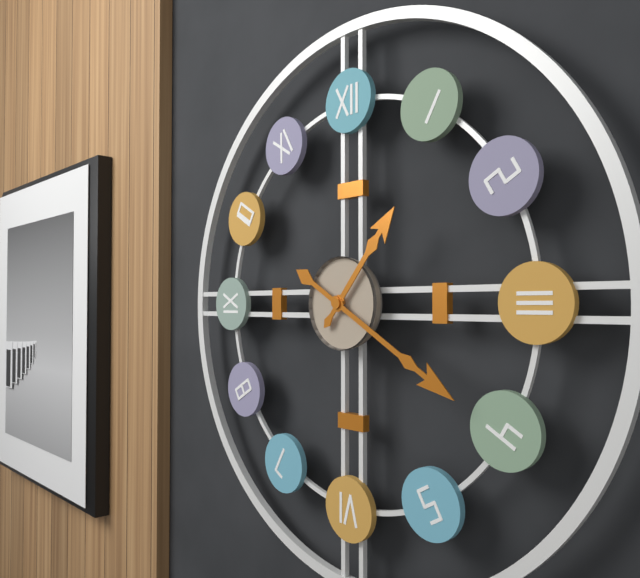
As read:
**1:20**
